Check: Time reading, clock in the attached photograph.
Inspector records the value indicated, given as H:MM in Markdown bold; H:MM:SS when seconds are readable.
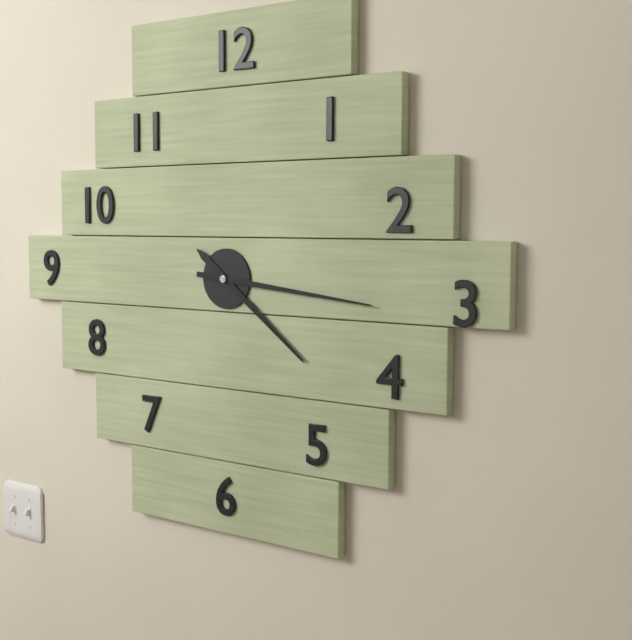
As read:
**4:16**
